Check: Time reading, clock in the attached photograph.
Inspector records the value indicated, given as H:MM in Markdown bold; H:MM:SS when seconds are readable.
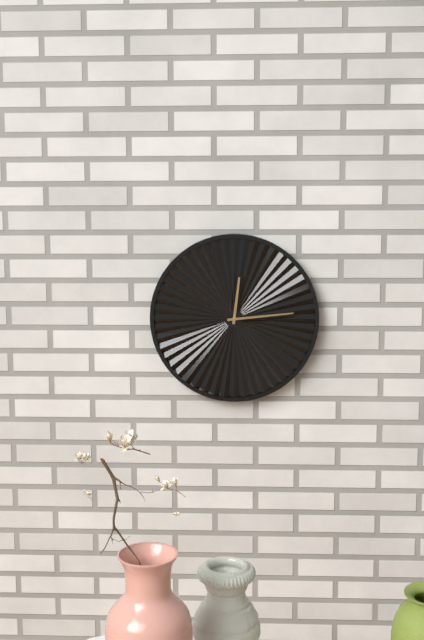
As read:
**12:14**
